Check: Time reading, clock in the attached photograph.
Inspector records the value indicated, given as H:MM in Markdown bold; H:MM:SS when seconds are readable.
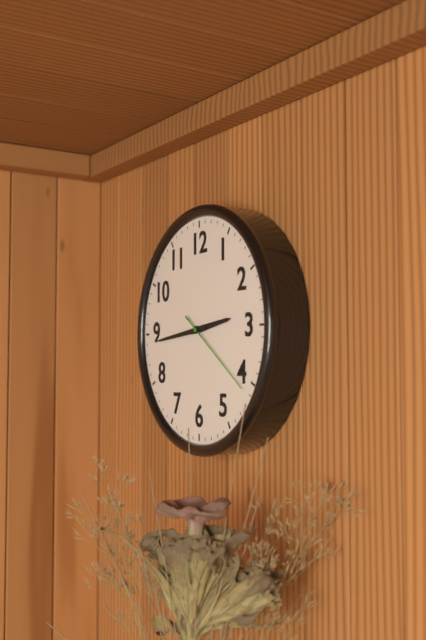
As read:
**2:44:21**
